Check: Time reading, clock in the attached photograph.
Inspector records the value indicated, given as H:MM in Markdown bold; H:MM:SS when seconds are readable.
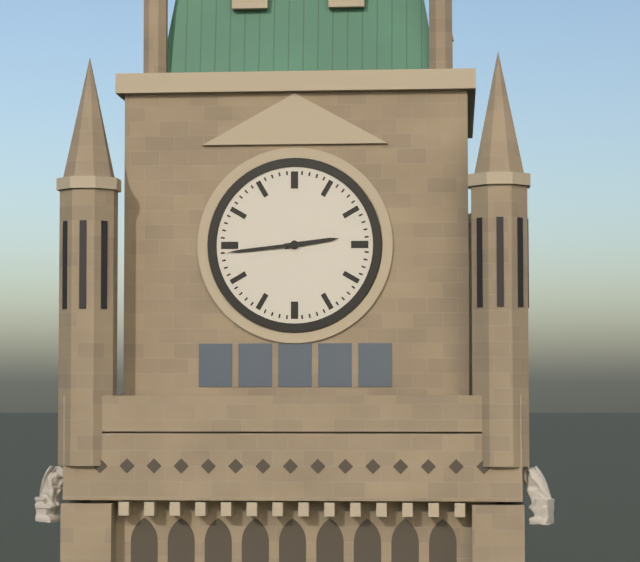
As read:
**2:44**
